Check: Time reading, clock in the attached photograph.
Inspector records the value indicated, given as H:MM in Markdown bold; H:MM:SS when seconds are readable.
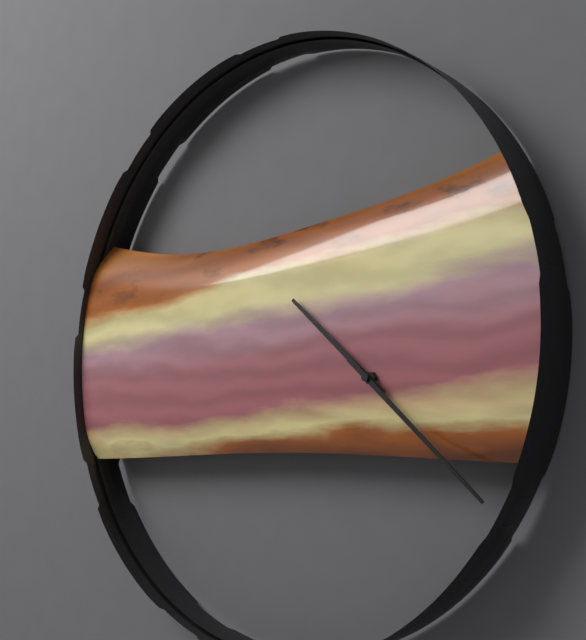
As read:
**10:22**
